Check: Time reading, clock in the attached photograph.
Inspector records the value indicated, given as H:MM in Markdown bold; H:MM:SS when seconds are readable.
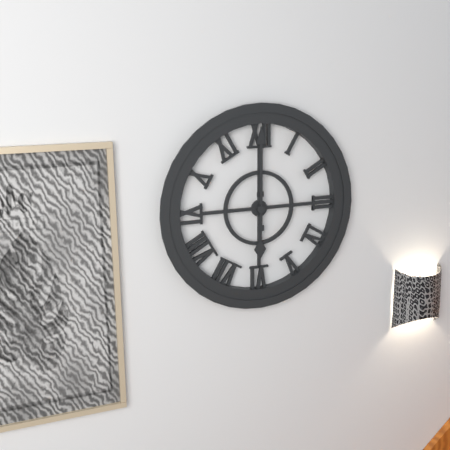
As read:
**6:00**
